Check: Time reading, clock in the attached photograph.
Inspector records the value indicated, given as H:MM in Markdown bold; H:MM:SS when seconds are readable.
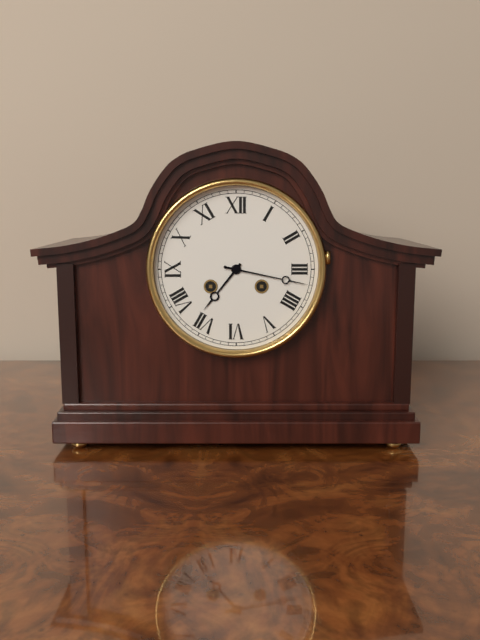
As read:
**7:17**
